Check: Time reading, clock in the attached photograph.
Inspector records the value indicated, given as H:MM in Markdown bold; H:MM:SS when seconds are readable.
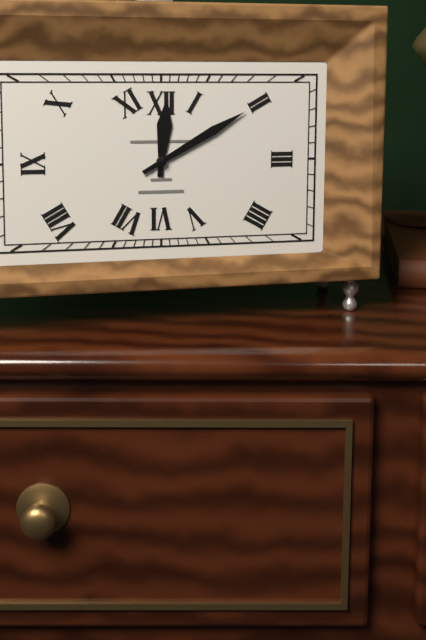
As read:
**12:10**
